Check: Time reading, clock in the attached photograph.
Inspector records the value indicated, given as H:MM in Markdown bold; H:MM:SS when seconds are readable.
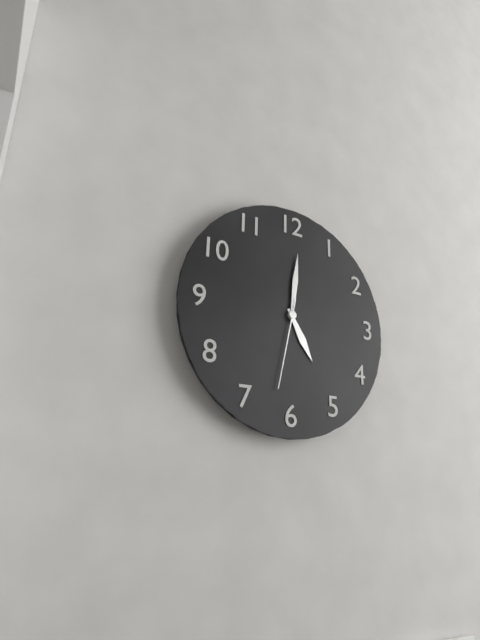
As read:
**5:01:32**
